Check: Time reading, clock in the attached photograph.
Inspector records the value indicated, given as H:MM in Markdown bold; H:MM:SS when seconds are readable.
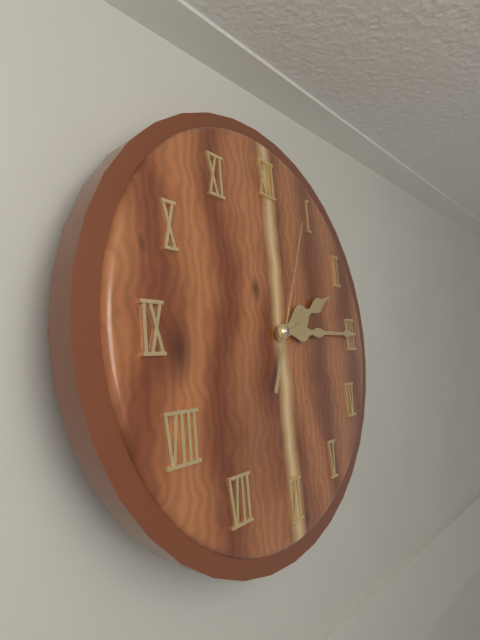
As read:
**2:15:04**
